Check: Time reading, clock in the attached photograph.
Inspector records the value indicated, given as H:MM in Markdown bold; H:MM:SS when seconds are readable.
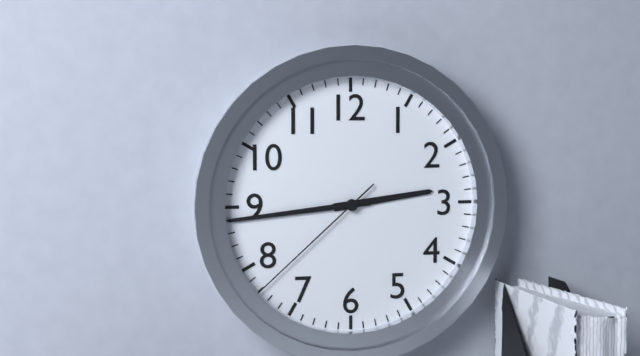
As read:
**2:44:38**
